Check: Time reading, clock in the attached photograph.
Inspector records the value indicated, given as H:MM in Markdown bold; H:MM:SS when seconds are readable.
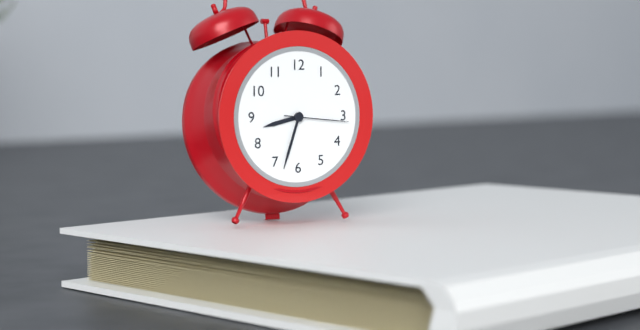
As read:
**8:33:16**
